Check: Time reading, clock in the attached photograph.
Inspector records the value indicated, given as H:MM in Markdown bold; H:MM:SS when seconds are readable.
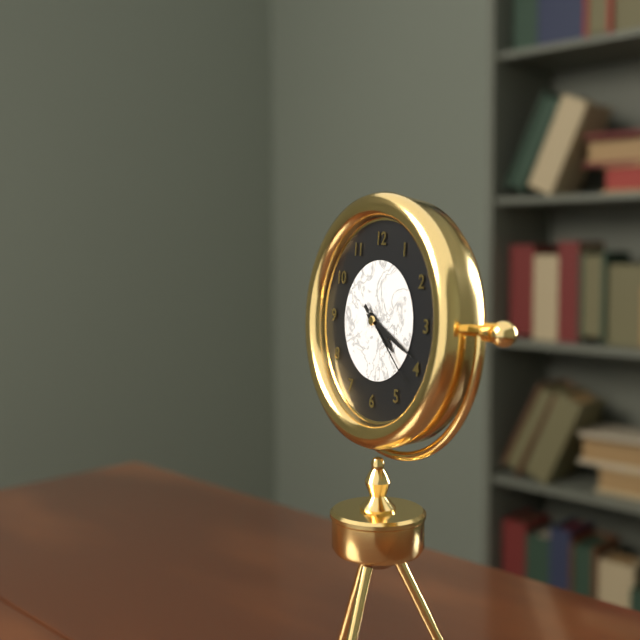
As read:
**4:19:22**
